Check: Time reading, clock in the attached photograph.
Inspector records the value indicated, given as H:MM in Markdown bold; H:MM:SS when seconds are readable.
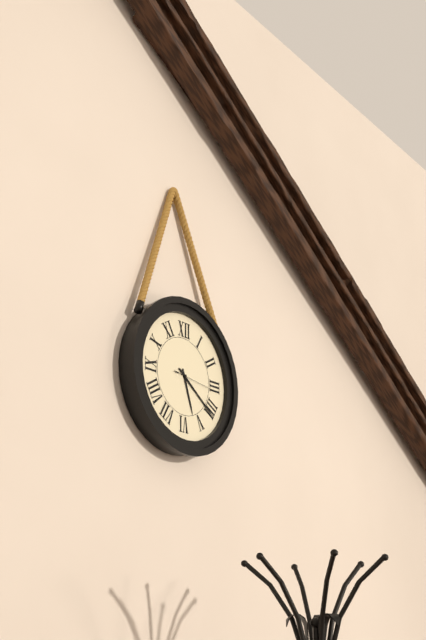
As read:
**5:21**
